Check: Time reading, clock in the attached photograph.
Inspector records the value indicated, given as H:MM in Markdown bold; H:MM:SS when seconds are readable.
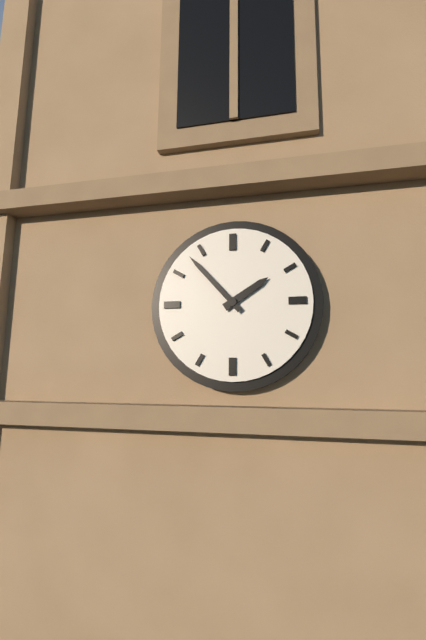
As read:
**1:53**
